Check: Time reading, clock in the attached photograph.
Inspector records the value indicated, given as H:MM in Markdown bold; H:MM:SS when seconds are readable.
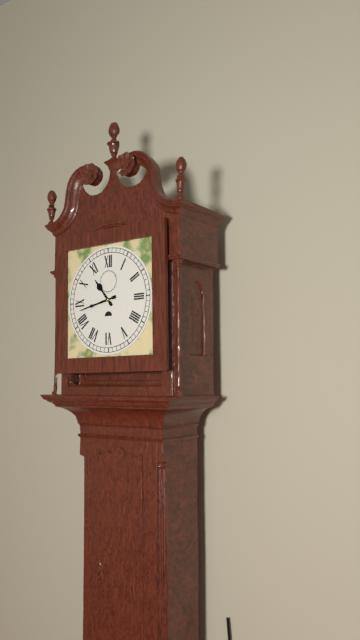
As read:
**10:43**
